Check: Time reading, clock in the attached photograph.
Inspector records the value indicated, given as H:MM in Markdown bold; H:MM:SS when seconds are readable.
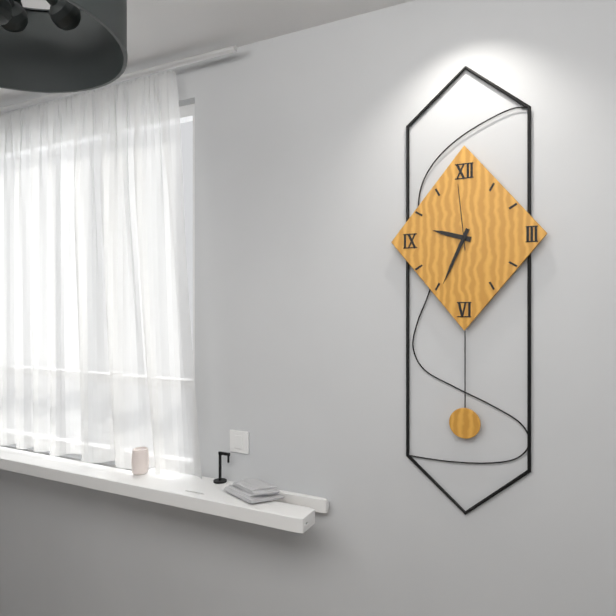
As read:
**9:34:59**
